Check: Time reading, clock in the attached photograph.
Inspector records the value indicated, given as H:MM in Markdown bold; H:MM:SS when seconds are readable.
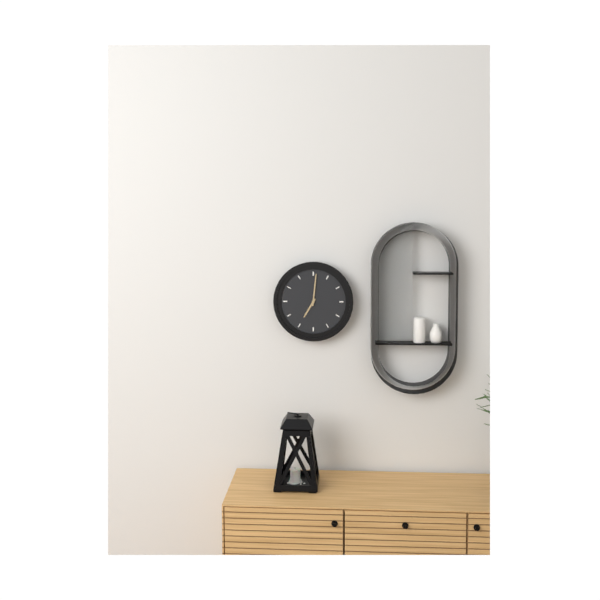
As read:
**7:01**
